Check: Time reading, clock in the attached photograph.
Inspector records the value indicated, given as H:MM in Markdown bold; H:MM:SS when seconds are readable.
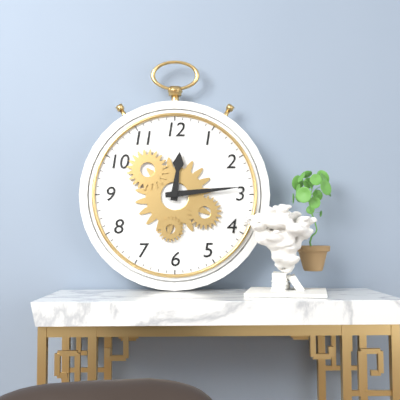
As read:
**12:14**
